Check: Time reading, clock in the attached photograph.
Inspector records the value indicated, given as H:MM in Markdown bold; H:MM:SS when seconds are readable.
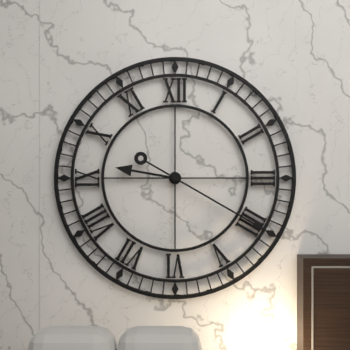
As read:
**9:20**
